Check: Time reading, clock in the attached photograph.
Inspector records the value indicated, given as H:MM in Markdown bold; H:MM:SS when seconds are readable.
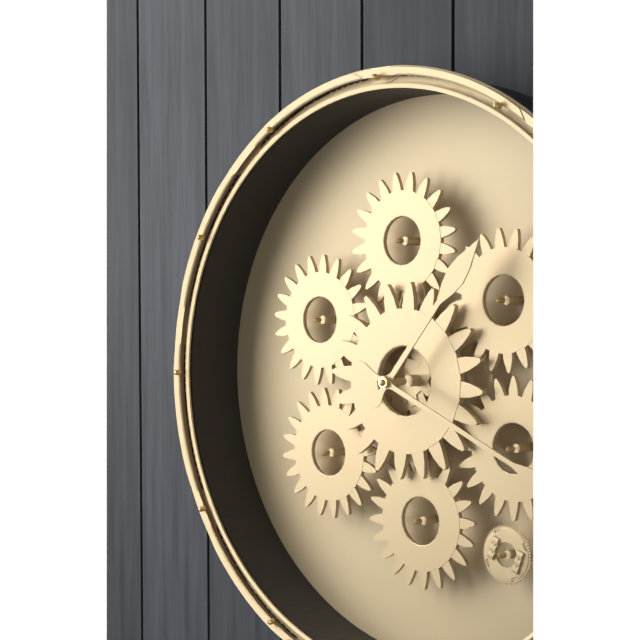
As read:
**1:19**
